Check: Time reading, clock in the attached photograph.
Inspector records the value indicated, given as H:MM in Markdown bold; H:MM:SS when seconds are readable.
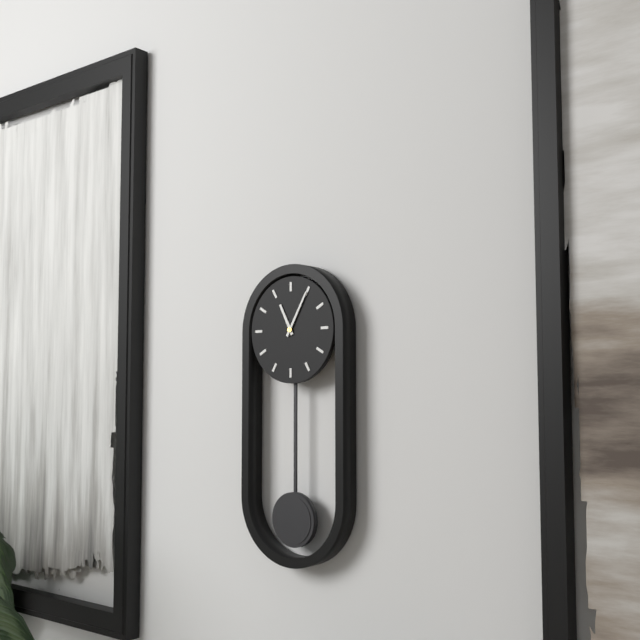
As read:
**11:05**
